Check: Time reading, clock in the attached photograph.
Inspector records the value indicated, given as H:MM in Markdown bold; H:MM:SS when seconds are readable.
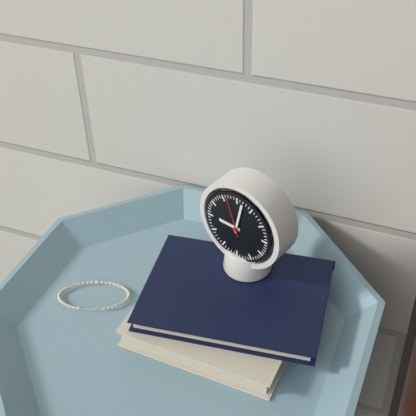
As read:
**9:02**
